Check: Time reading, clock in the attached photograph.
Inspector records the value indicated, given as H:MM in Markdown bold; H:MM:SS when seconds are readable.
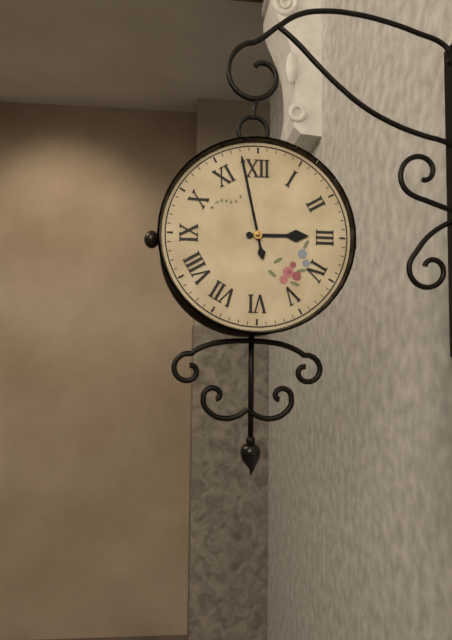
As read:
**2:58**
